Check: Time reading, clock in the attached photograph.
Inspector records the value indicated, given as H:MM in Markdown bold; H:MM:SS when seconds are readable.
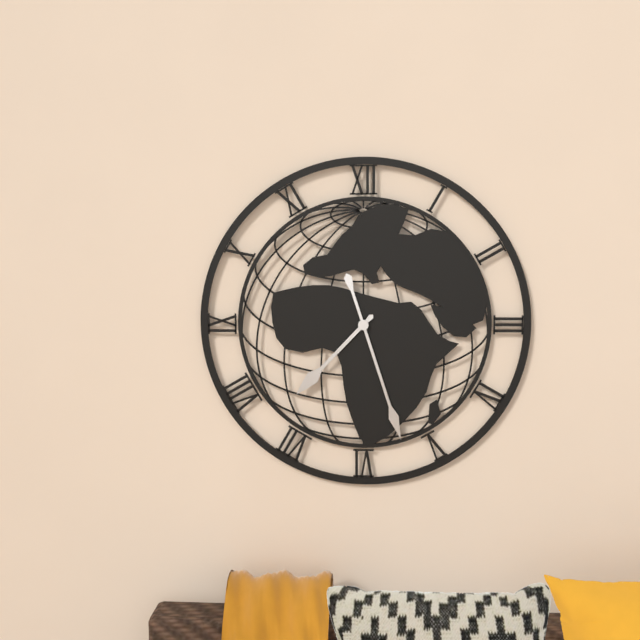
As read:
**7:27**
